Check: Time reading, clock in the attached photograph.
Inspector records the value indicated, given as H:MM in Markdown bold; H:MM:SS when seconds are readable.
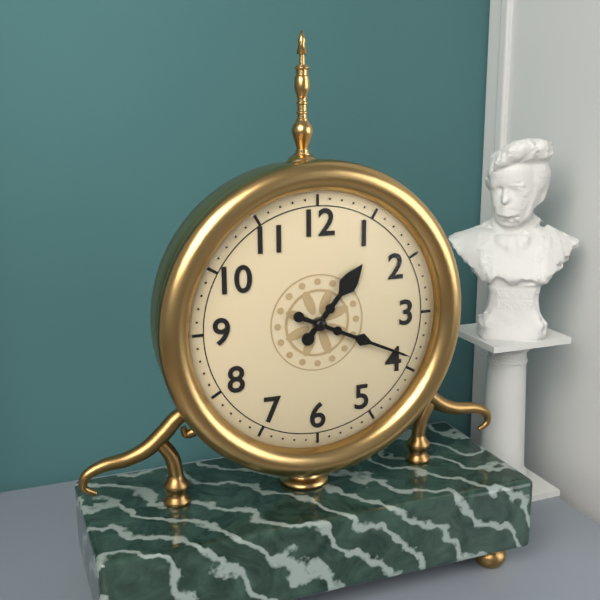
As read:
**1:19**
